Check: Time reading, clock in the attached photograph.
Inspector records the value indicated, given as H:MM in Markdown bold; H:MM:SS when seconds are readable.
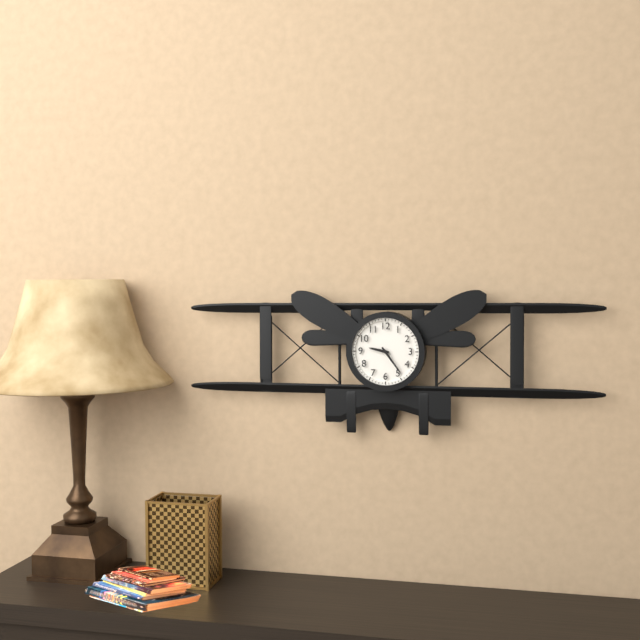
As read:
**9:24**
